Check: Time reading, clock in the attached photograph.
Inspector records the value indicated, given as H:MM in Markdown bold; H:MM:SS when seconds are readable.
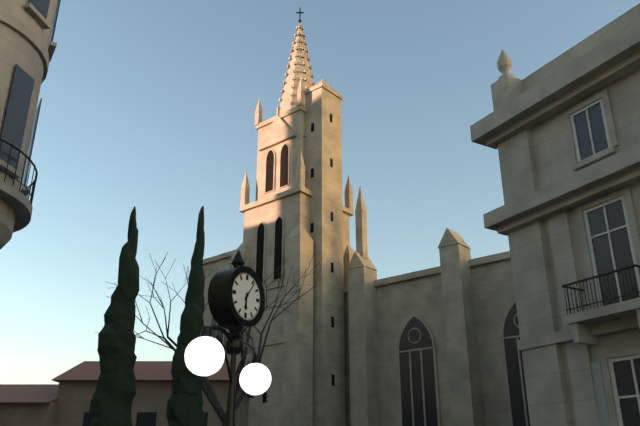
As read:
**6:06**
